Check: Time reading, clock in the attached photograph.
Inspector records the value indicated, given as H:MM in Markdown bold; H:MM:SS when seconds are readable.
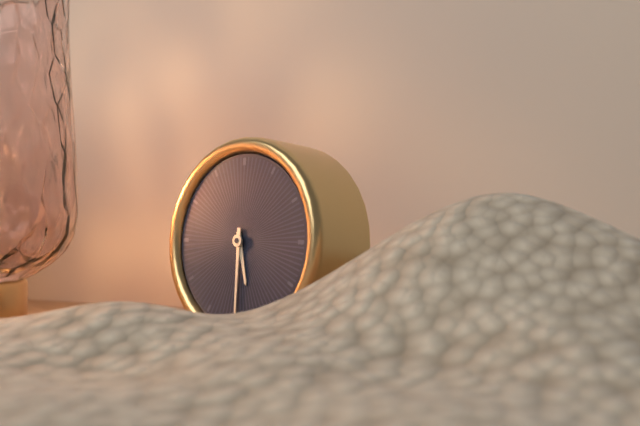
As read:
**5:30**
